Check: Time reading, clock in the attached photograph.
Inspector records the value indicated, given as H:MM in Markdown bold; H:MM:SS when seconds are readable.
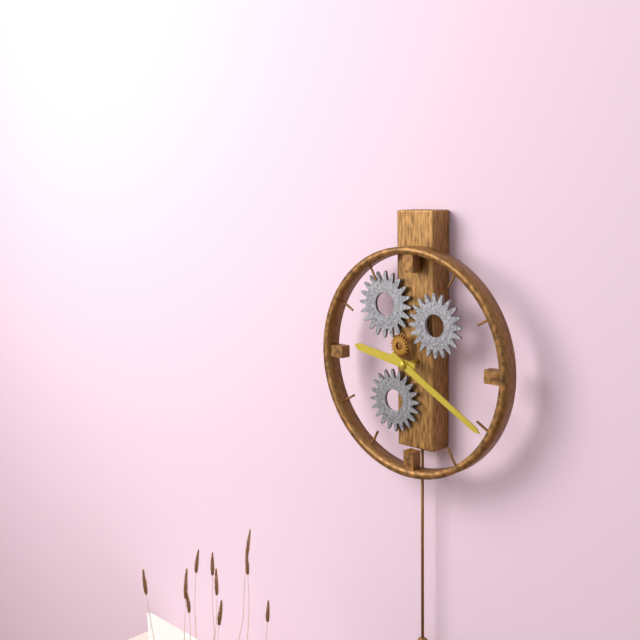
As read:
**9:20**
